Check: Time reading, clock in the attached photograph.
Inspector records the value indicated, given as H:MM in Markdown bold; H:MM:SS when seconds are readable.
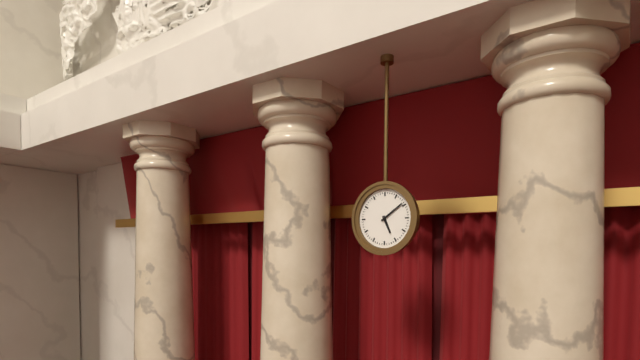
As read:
**5:09**
